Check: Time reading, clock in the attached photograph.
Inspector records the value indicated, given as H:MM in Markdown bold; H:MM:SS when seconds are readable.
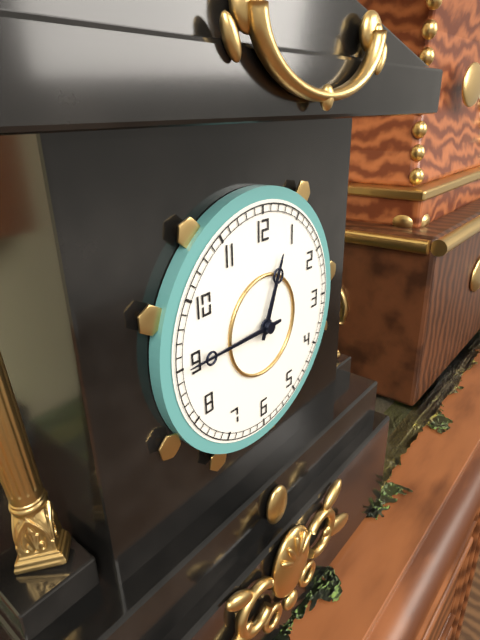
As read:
**12:45**
